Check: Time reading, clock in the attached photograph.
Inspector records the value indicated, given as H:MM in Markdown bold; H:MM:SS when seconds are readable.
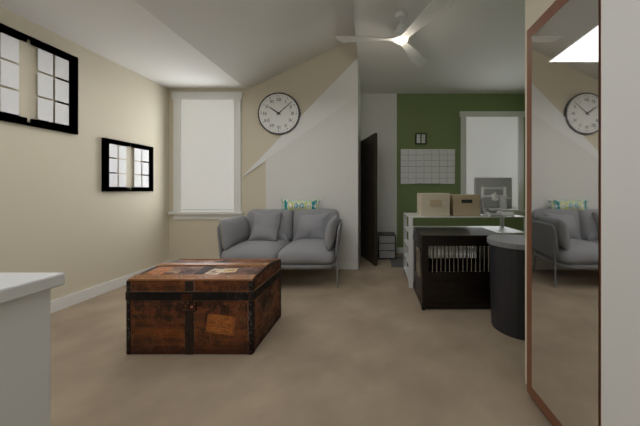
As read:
**10:08**
